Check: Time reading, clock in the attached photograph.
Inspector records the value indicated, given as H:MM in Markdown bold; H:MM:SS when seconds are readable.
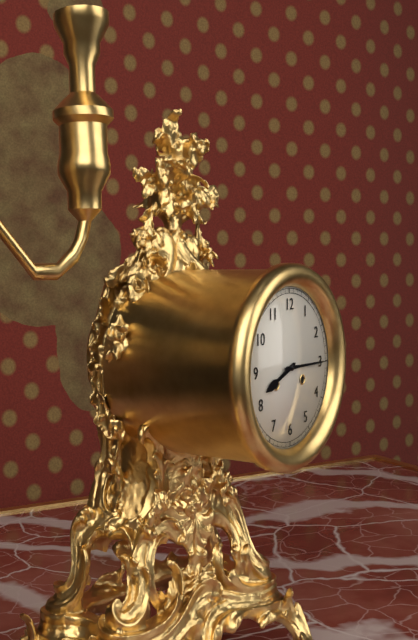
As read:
**8:15**
